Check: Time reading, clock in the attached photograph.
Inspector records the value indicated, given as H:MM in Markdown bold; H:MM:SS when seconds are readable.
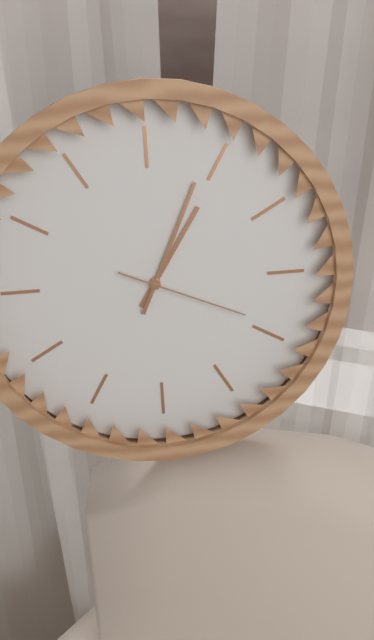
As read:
**1:04:19**
